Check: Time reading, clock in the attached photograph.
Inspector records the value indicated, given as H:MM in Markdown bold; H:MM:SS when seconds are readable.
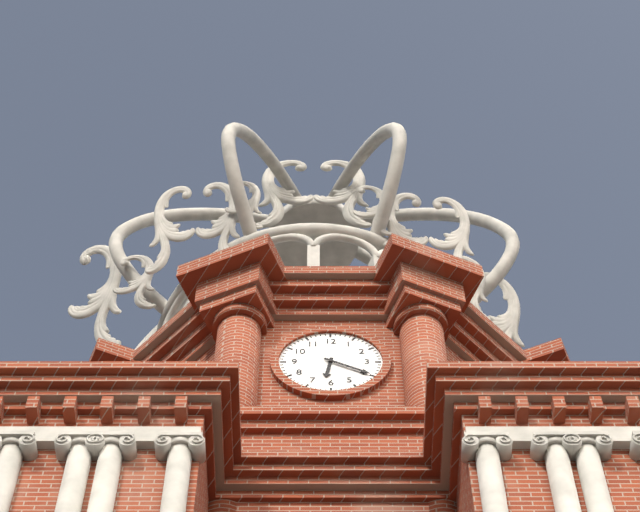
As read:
**6:20**
